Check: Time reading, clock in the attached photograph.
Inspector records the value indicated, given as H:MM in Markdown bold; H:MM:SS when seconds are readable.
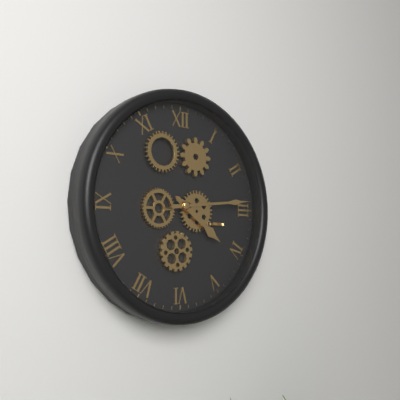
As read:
**4:14**
